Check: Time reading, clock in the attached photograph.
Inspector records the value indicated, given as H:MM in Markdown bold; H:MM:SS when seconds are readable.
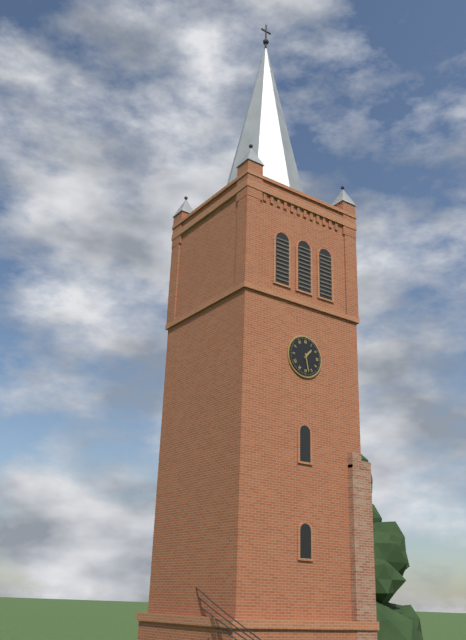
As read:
**1:28**
